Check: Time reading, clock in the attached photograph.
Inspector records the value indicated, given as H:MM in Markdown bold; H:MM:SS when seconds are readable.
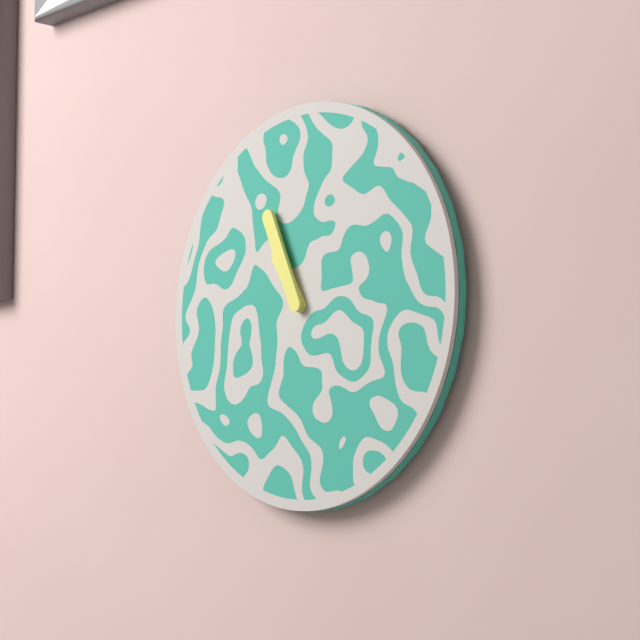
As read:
**10:56**
